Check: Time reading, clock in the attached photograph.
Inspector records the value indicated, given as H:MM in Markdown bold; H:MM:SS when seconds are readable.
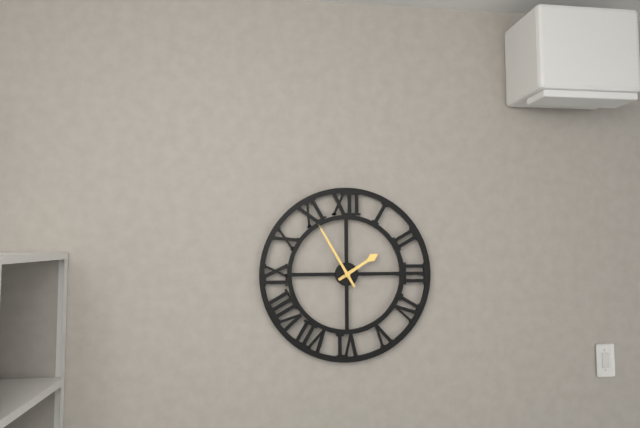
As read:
**1:55**
